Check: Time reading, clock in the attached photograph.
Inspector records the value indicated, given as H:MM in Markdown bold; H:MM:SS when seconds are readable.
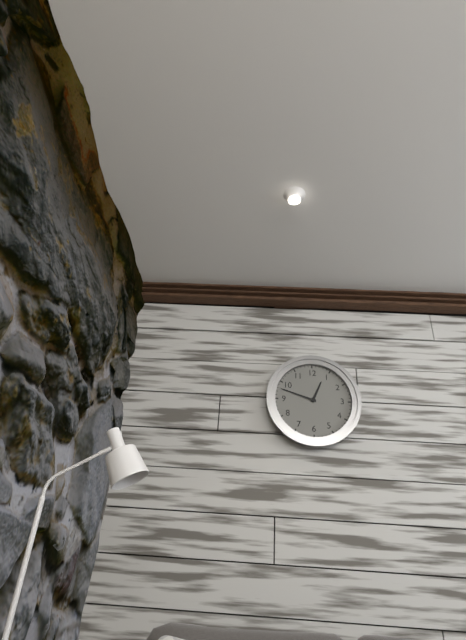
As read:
**12:48**
